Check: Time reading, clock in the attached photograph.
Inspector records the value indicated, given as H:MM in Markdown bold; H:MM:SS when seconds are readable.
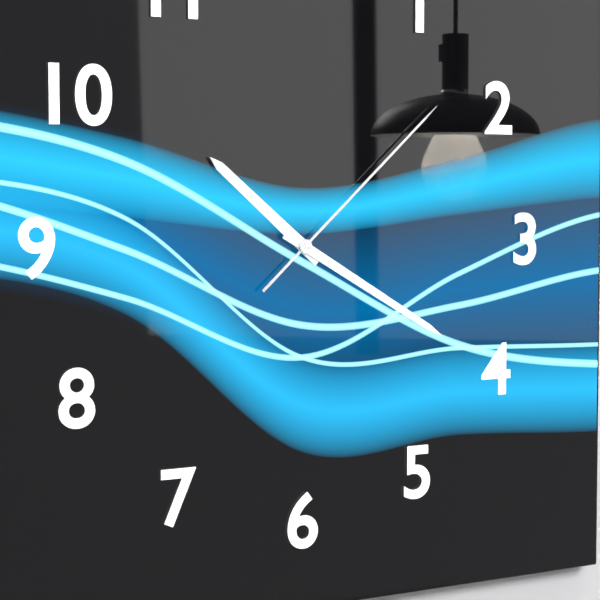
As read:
**10:20:08**
